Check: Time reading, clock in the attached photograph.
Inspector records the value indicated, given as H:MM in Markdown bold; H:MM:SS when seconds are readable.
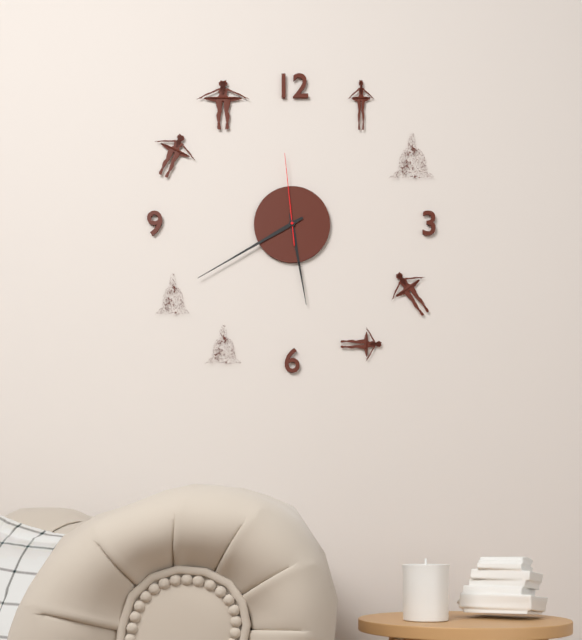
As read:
**5:40:59**
